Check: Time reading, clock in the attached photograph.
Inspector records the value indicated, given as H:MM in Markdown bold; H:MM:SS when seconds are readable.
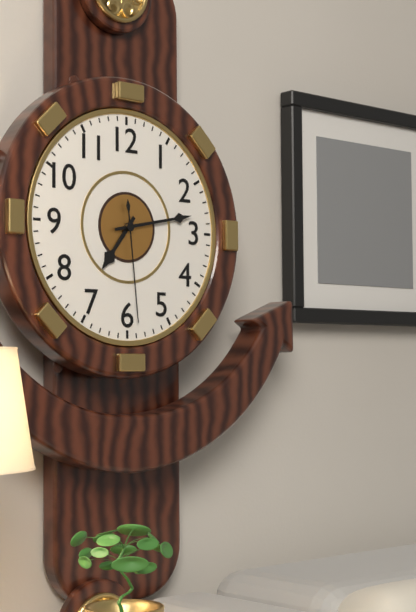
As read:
**7:13:29**
